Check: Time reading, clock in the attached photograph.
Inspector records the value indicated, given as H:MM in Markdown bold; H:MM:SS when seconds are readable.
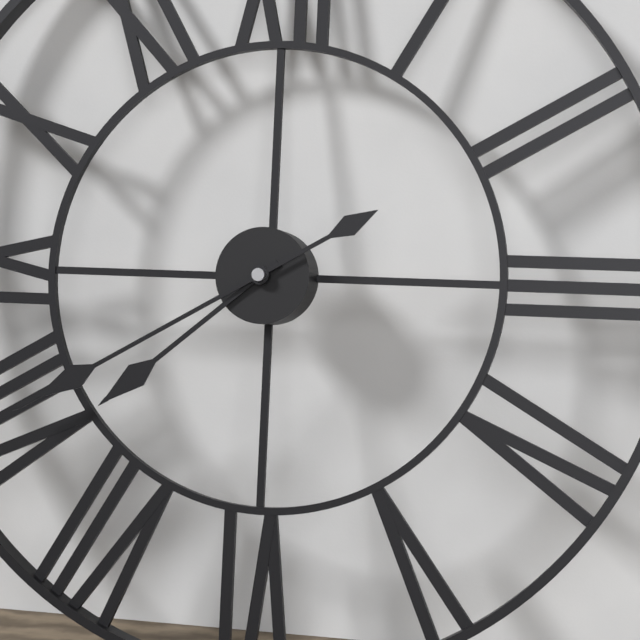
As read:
**7:40**
